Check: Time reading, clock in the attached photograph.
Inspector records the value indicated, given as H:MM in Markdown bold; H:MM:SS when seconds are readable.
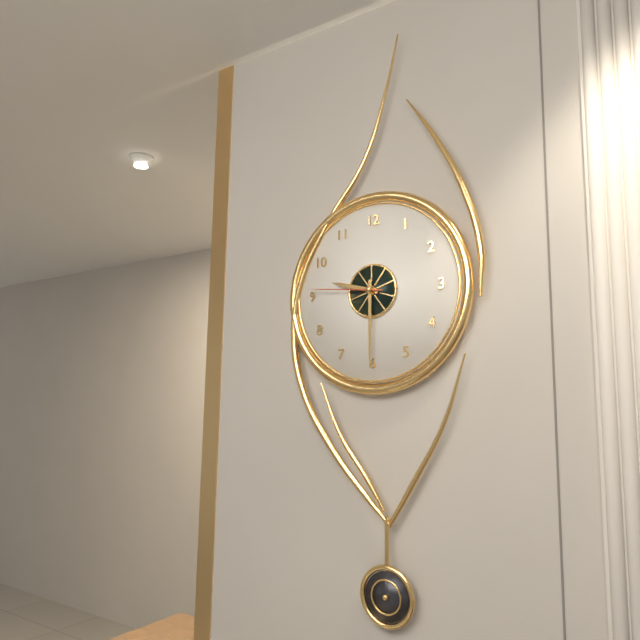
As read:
**9:30:46**
